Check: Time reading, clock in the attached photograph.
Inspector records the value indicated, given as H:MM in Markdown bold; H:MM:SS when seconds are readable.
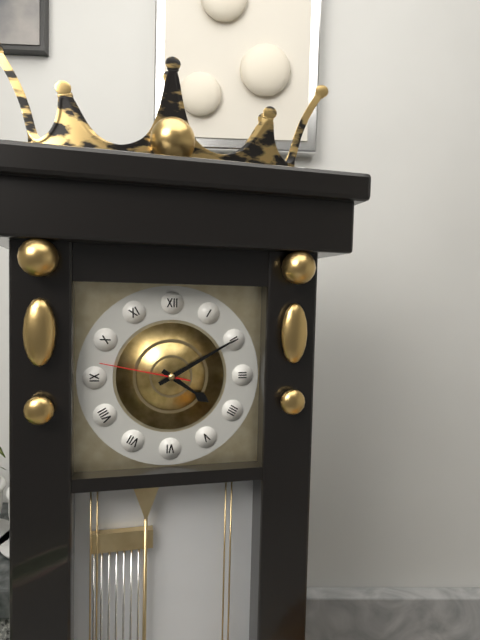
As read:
**4:10:47**
